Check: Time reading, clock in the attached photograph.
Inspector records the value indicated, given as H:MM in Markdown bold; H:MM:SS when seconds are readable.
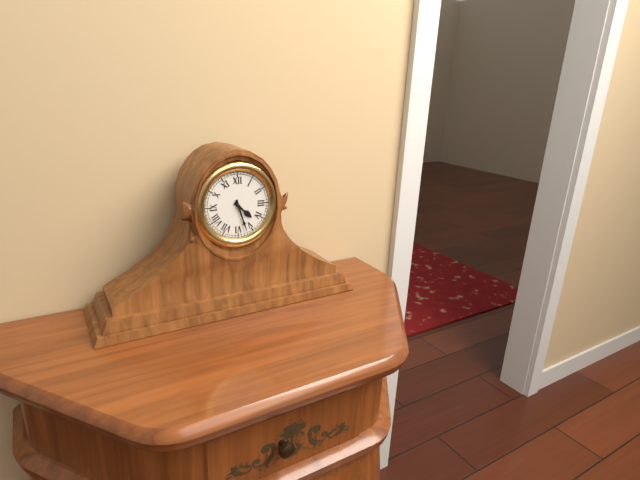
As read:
**4:27**
